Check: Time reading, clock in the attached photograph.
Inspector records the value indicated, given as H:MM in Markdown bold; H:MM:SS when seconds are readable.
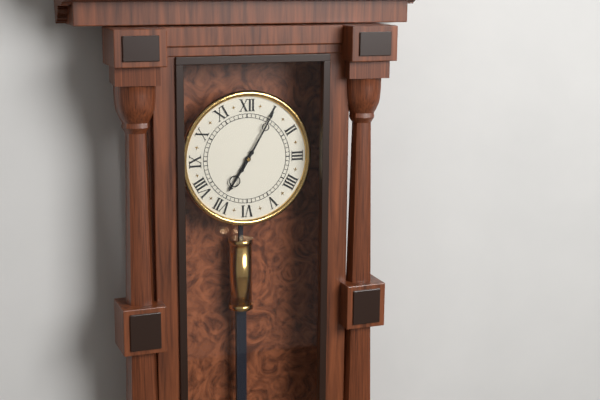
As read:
**7:05**
